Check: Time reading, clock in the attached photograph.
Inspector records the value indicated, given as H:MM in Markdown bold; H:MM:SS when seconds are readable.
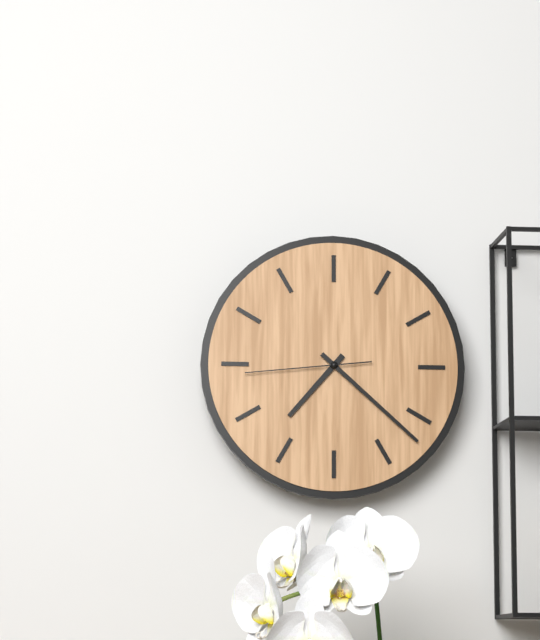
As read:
**7:22:44**
